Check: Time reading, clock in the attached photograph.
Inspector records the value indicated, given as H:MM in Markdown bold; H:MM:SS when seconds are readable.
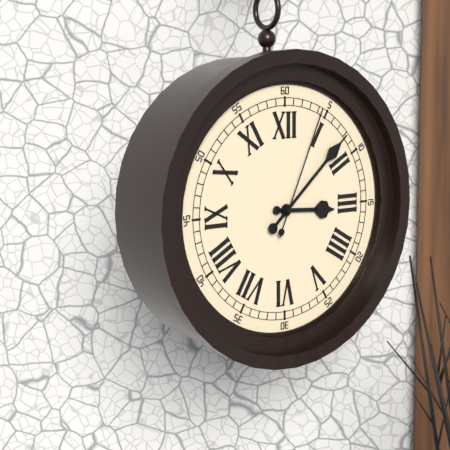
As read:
**3:08:04**
